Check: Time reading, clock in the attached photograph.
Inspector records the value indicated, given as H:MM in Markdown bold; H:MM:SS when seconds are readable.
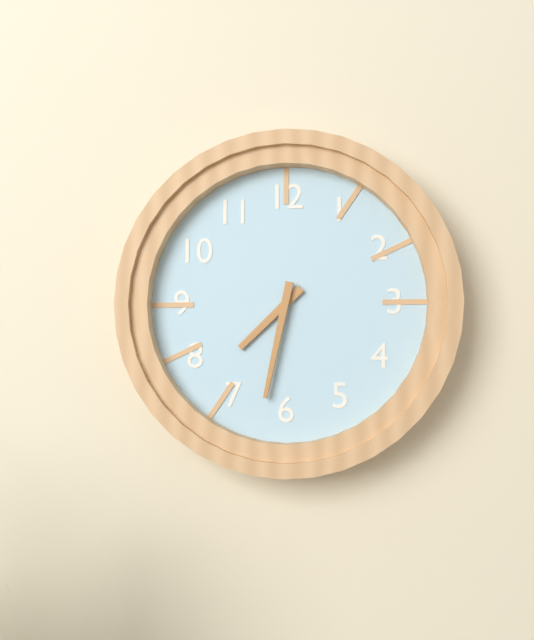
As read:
**7:32**
